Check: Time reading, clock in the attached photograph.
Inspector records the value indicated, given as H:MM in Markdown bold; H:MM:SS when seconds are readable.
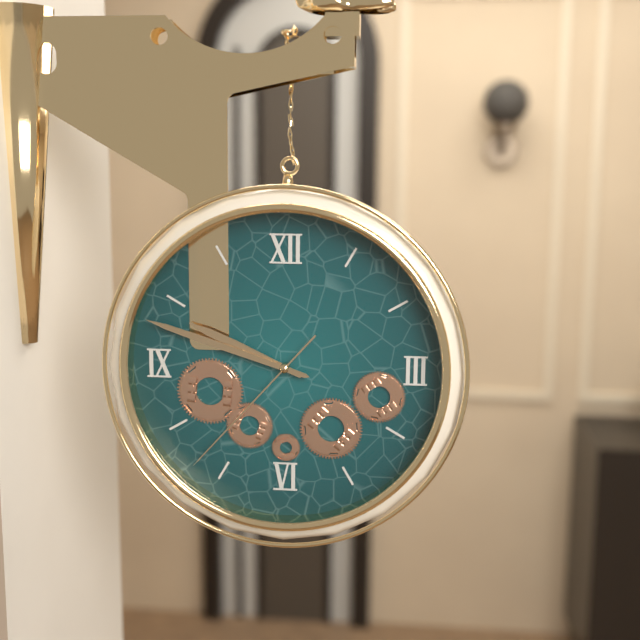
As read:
**9:48:37**
